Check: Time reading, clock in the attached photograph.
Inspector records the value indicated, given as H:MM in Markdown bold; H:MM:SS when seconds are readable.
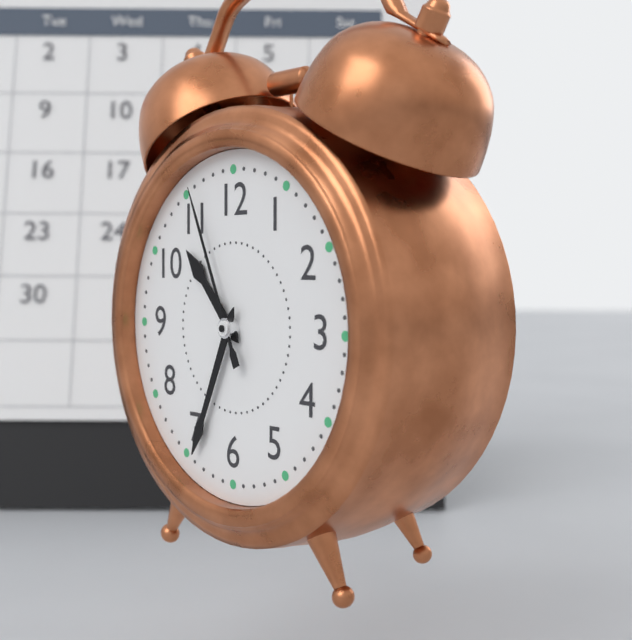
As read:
**10:34:56**
